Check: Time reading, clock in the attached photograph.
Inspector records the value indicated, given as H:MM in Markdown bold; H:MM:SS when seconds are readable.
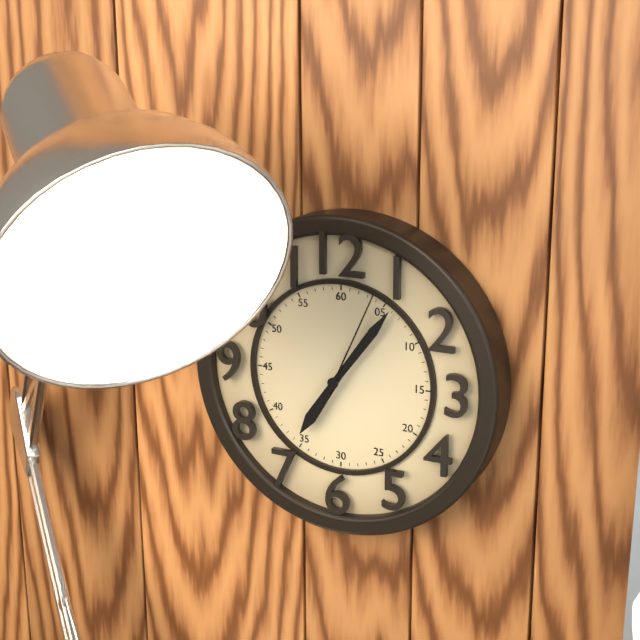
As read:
**7:06:04**
